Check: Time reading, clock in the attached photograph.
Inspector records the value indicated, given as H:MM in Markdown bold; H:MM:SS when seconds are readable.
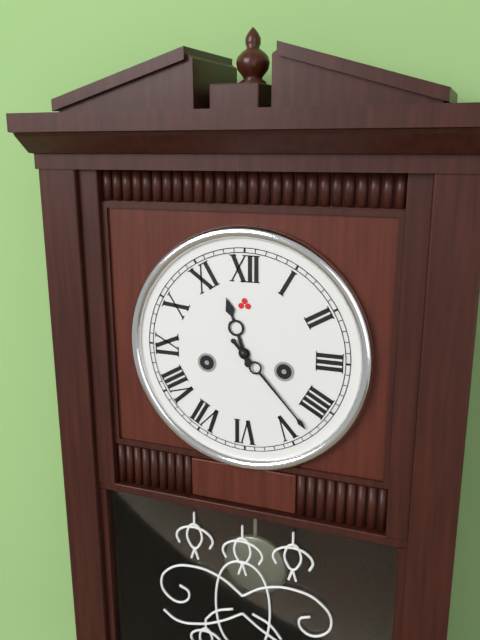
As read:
**11:23**
